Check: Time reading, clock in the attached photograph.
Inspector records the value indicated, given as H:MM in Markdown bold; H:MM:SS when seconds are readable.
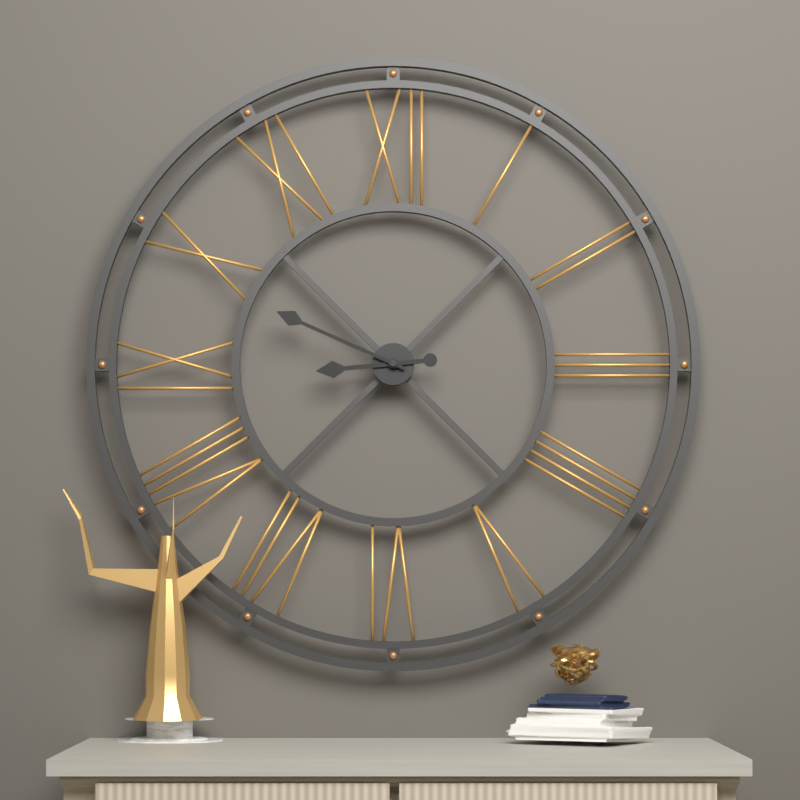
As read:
**8:49**
